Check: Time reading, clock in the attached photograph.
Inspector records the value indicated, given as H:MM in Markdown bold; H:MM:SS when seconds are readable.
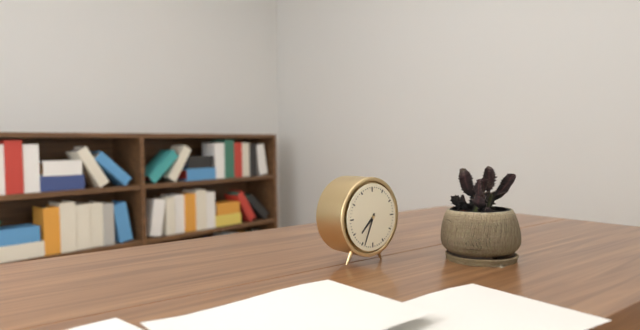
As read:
**7:34**
